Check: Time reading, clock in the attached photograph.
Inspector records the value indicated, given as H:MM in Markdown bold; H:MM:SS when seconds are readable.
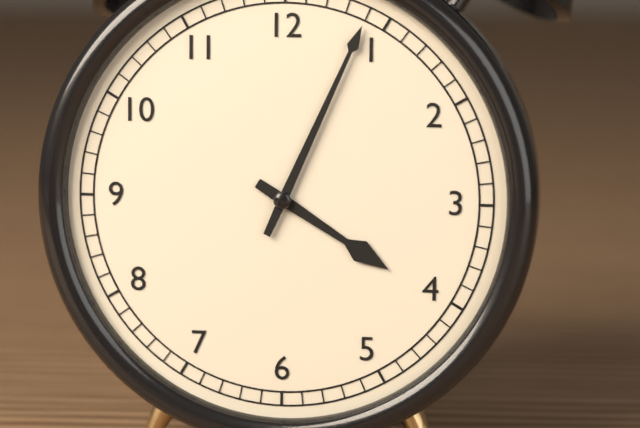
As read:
**4:04**
